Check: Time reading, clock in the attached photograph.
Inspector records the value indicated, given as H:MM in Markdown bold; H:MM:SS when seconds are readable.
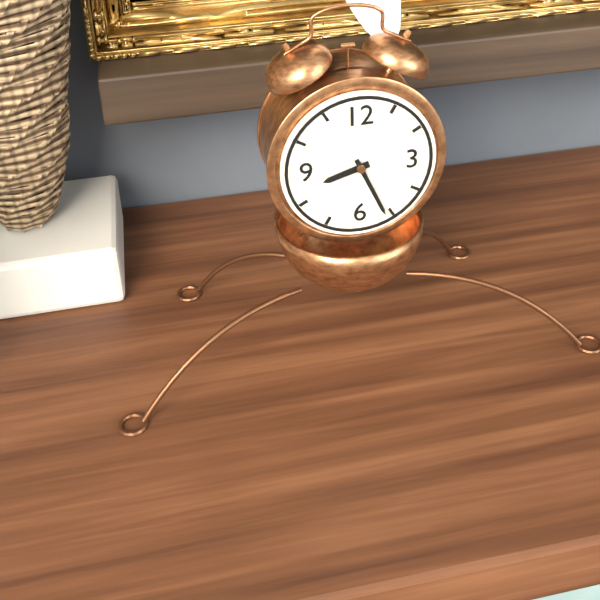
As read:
**8:26**
